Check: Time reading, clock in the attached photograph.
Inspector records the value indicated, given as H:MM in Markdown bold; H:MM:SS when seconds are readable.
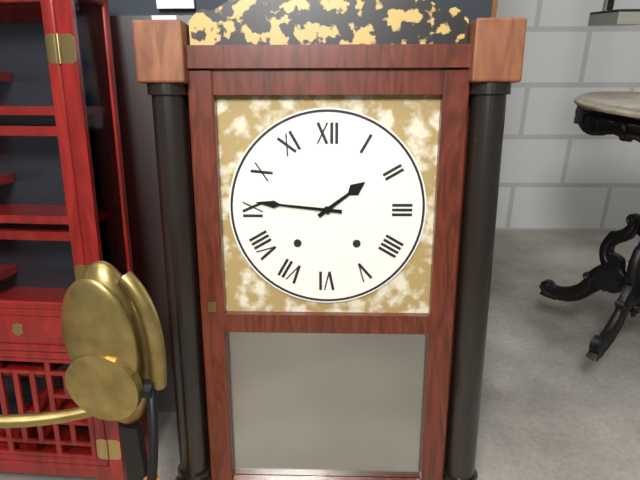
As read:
**1:46**
